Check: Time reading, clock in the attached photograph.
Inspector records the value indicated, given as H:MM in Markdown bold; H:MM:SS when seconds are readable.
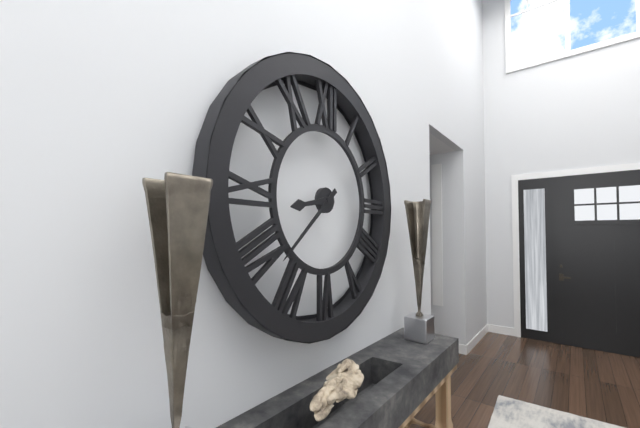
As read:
**8:38**
